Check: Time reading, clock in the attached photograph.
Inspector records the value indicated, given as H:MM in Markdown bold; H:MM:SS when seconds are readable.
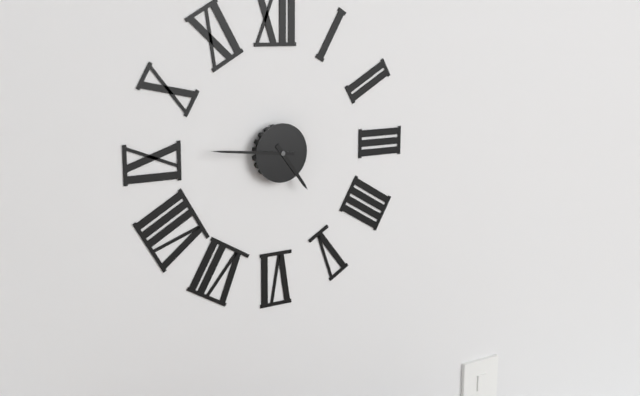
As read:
**4:46**
